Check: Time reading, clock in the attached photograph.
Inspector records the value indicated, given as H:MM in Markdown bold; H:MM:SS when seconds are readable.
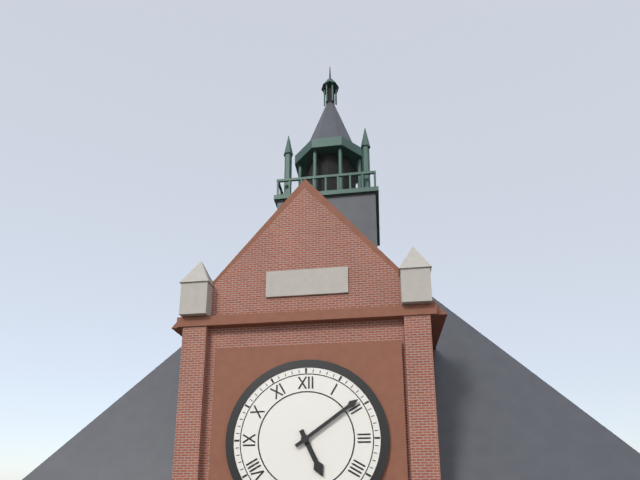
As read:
**5:09**
